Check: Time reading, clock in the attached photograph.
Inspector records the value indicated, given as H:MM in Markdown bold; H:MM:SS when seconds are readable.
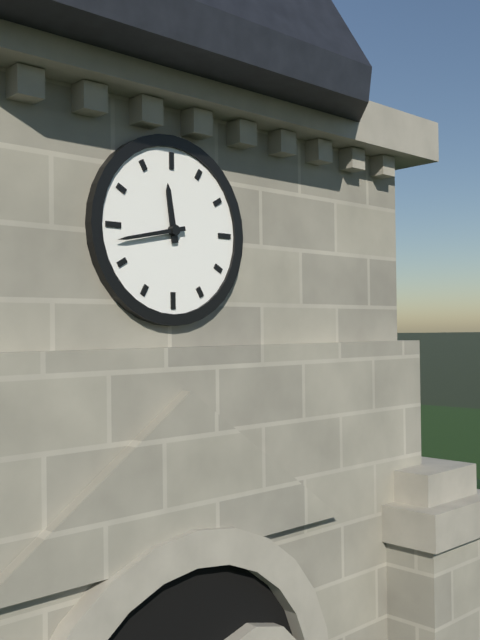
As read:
**11:43**
